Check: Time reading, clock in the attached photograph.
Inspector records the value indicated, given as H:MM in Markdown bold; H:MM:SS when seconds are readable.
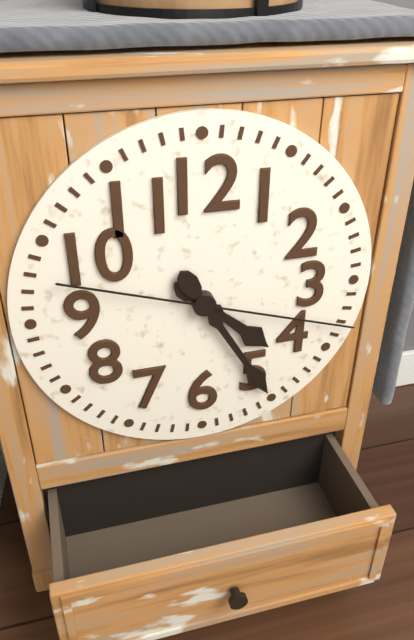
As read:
**4:25:18**
